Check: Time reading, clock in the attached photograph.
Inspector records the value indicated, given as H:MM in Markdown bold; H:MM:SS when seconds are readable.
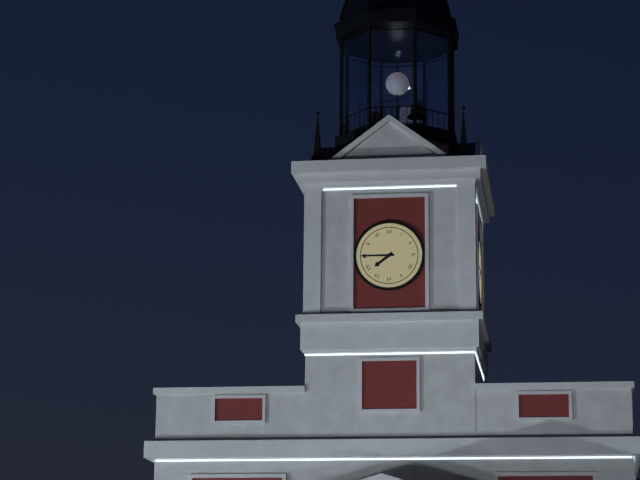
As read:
**7:45**
